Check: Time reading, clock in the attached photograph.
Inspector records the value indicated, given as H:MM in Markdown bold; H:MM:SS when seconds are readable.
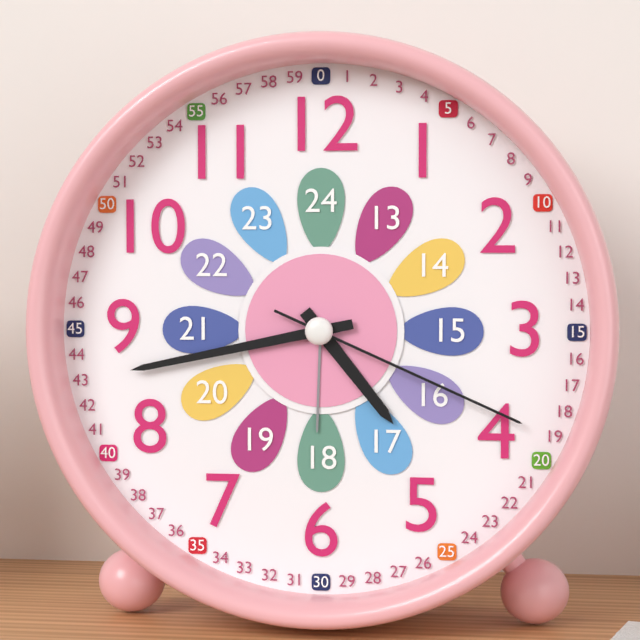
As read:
**4:43:19**
